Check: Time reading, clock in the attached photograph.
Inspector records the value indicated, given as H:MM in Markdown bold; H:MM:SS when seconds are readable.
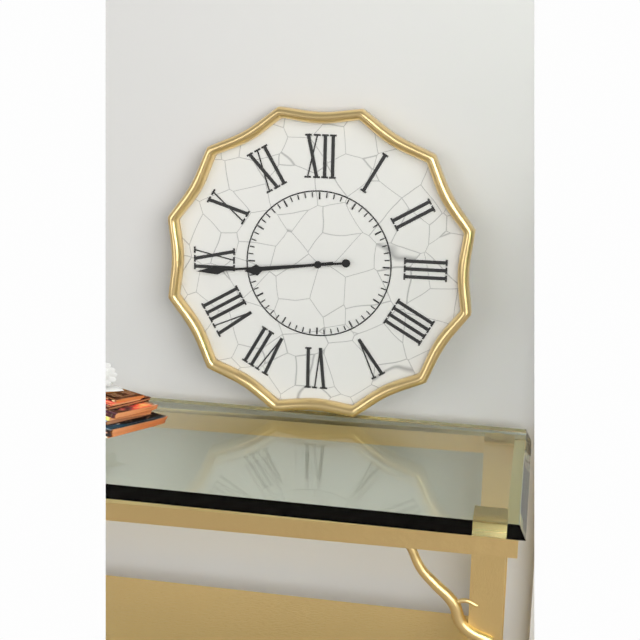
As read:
**8:44**
